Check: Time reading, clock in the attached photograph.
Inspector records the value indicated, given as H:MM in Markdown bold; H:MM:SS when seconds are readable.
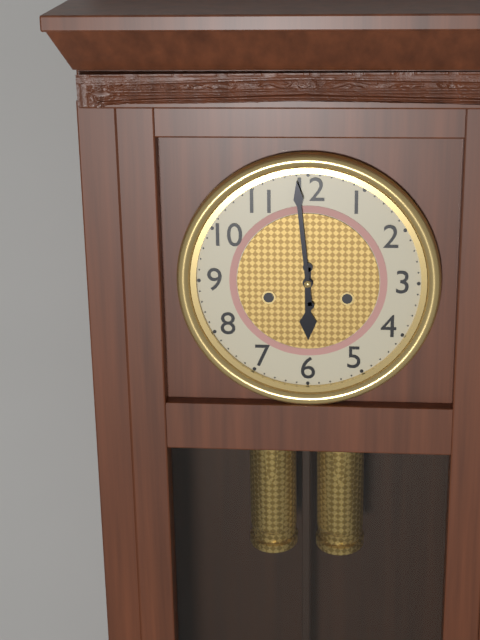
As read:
**5:59**
